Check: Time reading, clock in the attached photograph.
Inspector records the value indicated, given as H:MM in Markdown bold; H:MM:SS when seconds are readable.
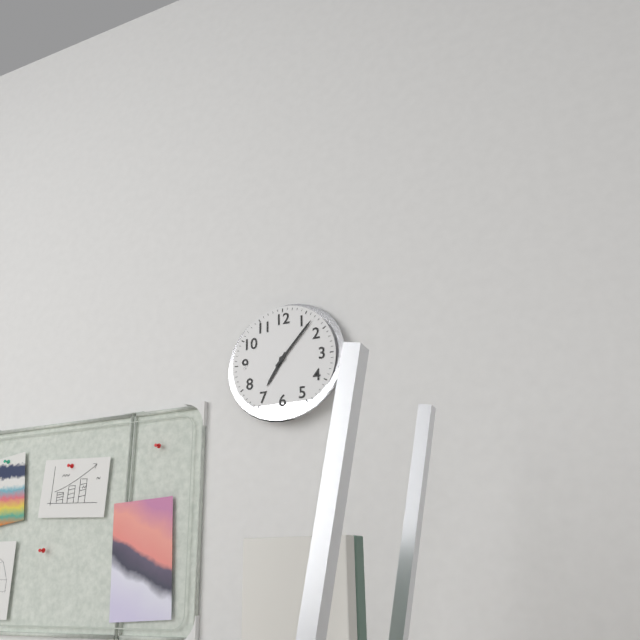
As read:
**7:07**
